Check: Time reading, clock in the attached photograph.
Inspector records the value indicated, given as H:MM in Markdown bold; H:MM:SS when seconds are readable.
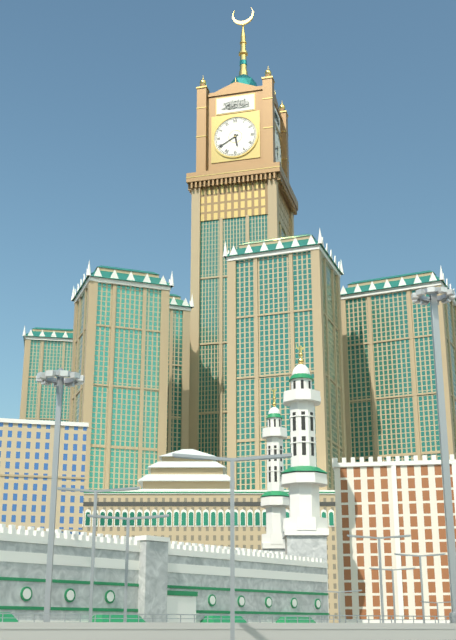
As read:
**5:40**
